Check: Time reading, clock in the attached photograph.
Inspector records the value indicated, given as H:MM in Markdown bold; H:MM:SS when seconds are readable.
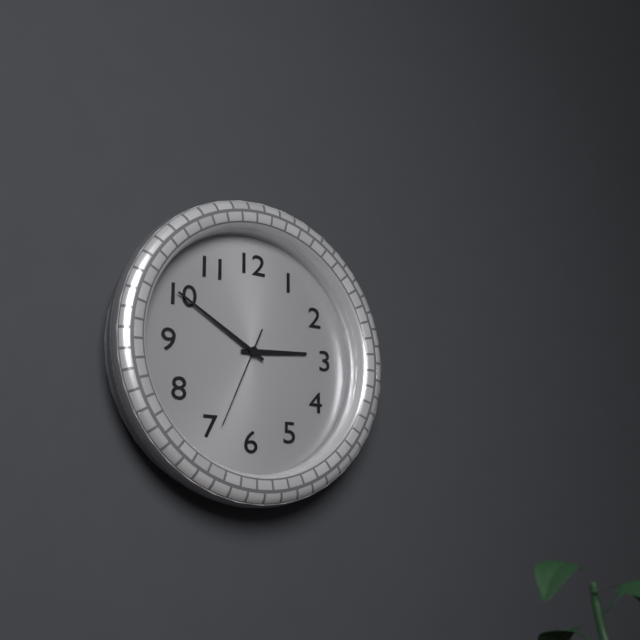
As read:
**2:50:34**
